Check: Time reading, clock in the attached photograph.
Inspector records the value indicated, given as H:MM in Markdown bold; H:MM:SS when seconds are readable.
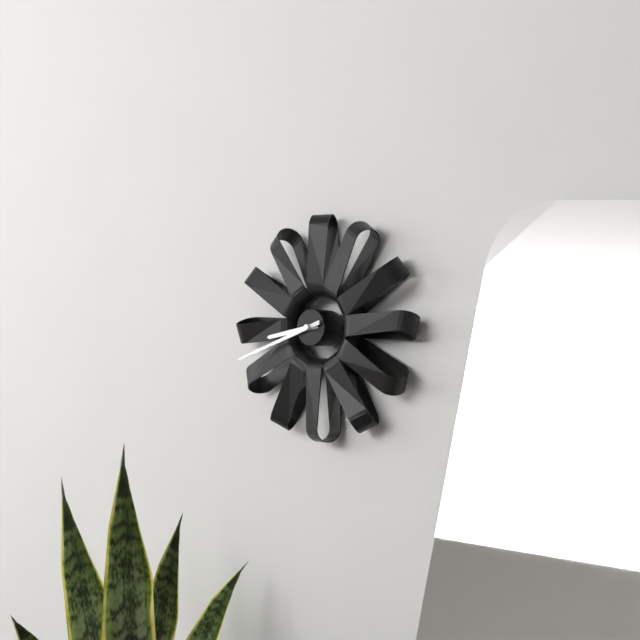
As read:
**8:42**
